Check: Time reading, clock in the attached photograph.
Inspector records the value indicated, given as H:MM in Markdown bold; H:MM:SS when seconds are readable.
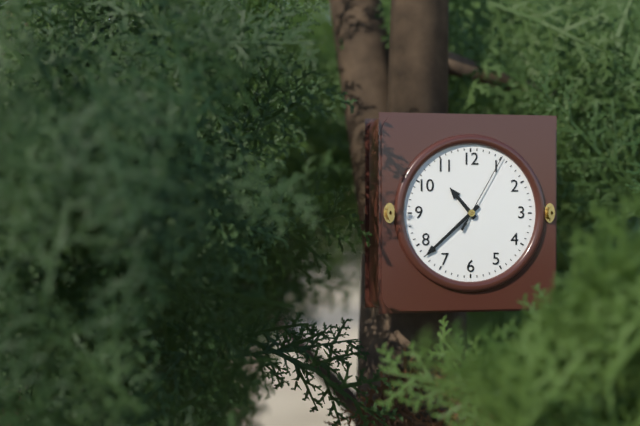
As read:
**10:38:05**
